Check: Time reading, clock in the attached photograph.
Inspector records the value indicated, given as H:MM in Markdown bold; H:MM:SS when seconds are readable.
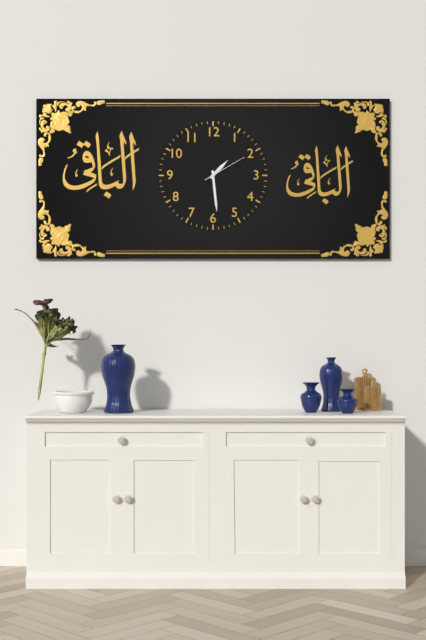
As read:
**1:29**
